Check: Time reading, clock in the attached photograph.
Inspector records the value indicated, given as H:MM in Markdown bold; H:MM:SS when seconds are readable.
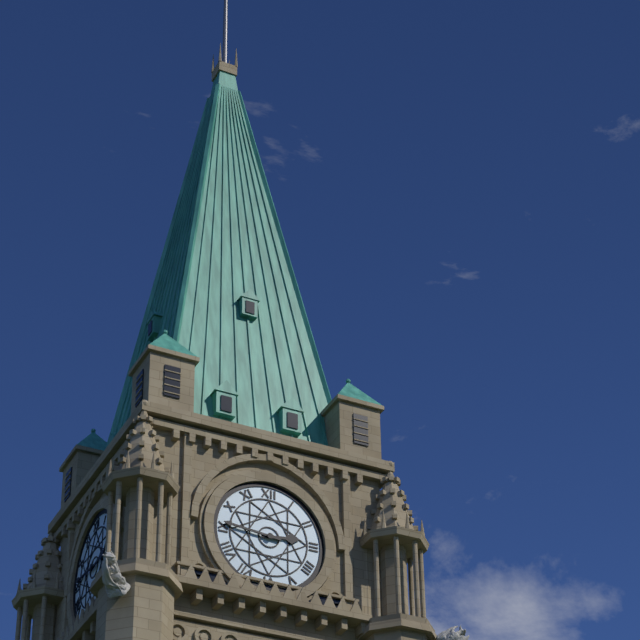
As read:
**2:46**
